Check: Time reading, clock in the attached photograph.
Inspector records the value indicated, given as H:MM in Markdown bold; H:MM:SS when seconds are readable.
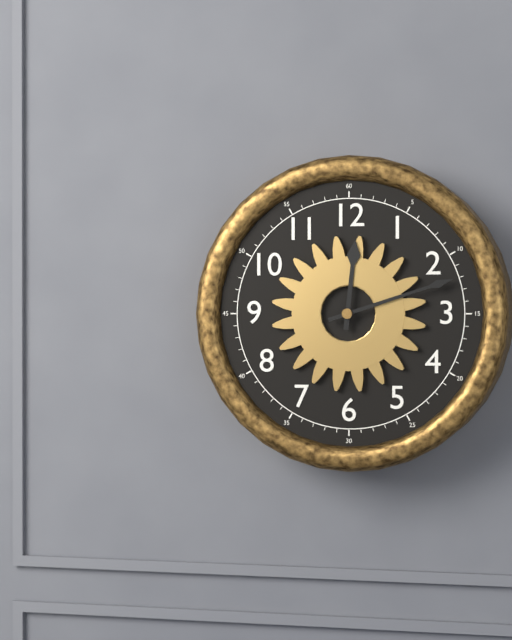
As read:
**12:12**
